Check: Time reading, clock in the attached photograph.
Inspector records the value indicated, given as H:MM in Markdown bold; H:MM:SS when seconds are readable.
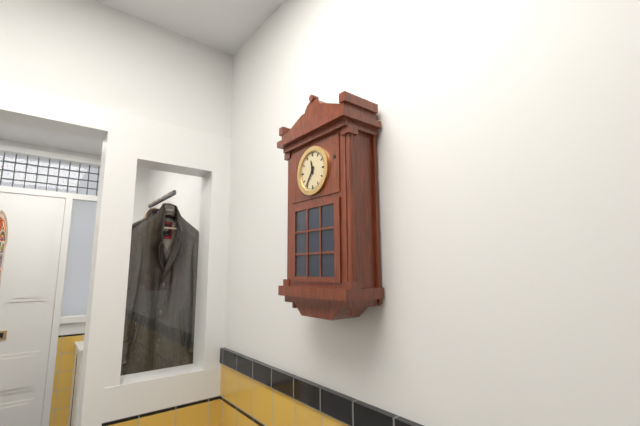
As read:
**11:36**
